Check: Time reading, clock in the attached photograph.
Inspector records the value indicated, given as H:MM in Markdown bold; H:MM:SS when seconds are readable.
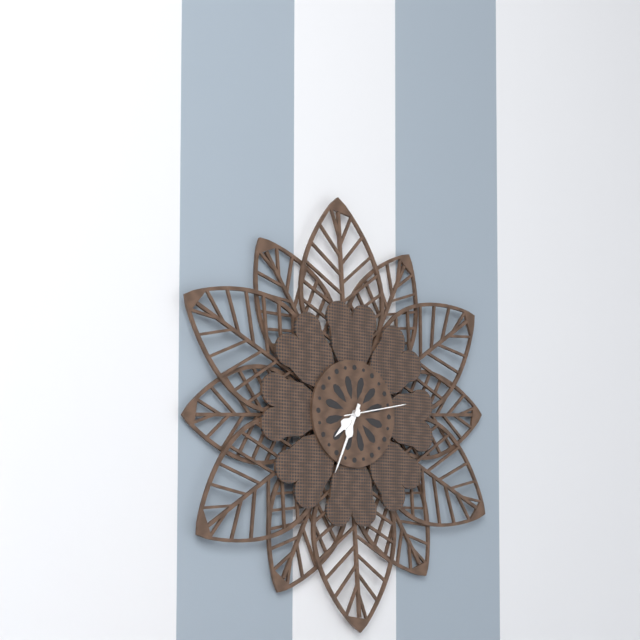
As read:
**7:34:13**
